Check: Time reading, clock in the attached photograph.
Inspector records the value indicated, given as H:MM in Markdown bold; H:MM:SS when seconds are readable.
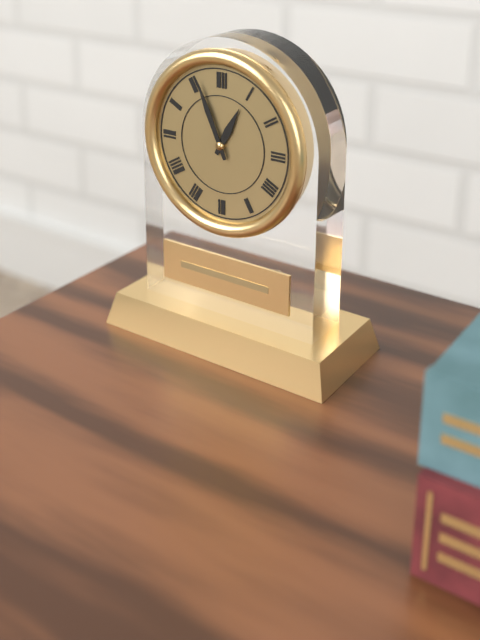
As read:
**12:56**
